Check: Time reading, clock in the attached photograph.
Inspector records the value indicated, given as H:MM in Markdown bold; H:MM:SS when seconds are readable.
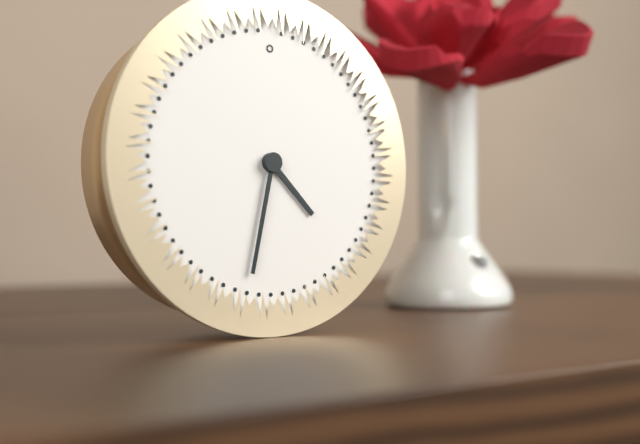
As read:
**4:32**
